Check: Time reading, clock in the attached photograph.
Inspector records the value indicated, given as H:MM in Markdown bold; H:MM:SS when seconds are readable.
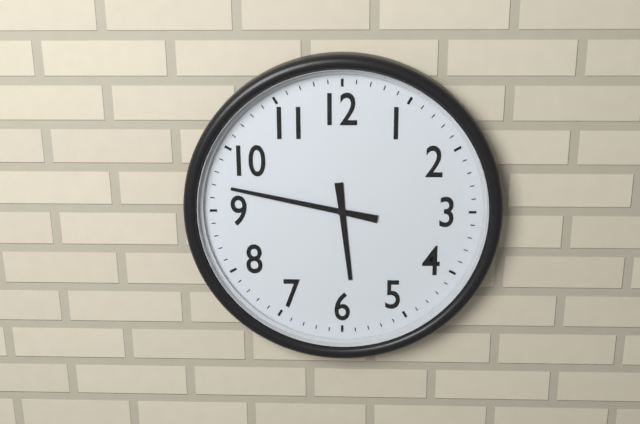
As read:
**5:47**
